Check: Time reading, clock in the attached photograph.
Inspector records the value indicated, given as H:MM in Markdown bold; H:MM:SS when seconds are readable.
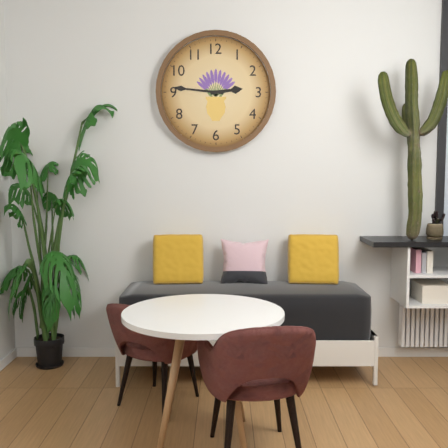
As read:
**2:46**
